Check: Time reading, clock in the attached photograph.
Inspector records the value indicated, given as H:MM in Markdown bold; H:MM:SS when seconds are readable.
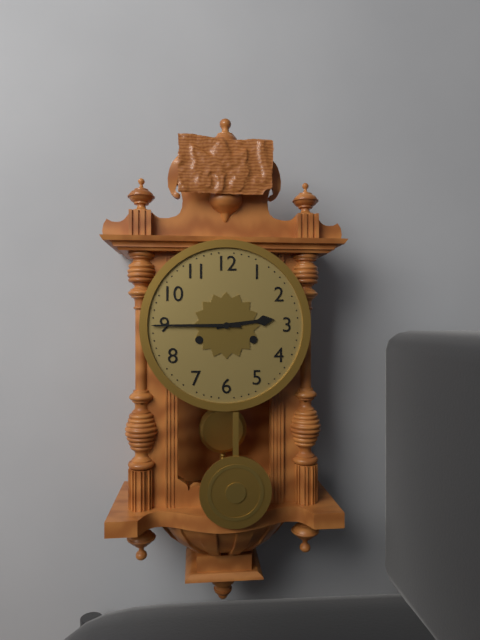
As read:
**2:45**
